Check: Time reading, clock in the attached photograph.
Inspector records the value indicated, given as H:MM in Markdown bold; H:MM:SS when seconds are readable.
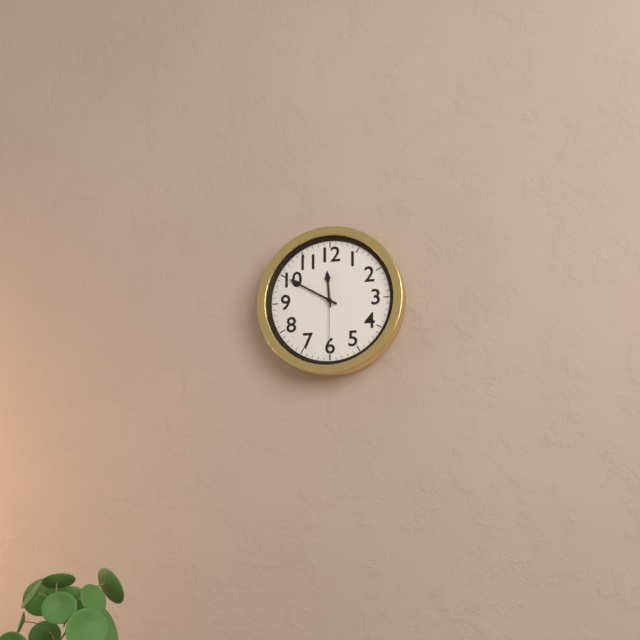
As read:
**11:50:30**
